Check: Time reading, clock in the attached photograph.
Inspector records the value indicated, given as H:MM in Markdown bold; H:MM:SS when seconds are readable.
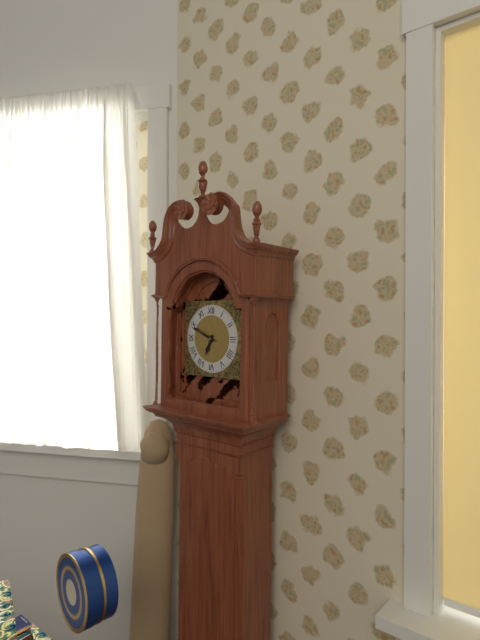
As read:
**6:49**
